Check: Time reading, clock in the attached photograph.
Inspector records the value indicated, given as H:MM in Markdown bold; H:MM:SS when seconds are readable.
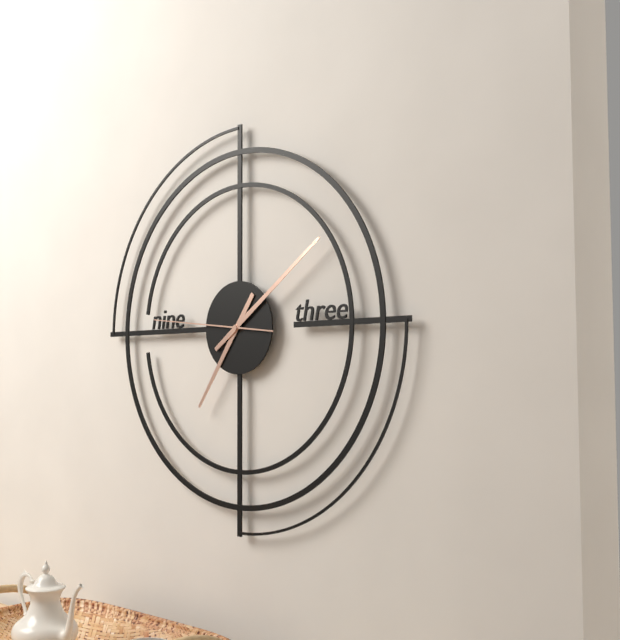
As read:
**7:09:46**
